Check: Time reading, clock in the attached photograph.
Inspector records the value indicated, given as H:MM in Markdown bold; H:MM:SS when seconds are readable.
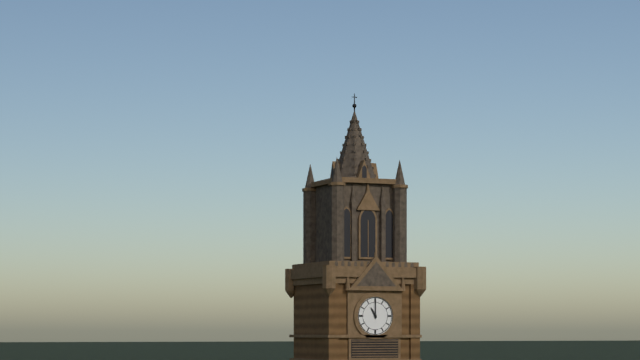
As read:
**11:00**
